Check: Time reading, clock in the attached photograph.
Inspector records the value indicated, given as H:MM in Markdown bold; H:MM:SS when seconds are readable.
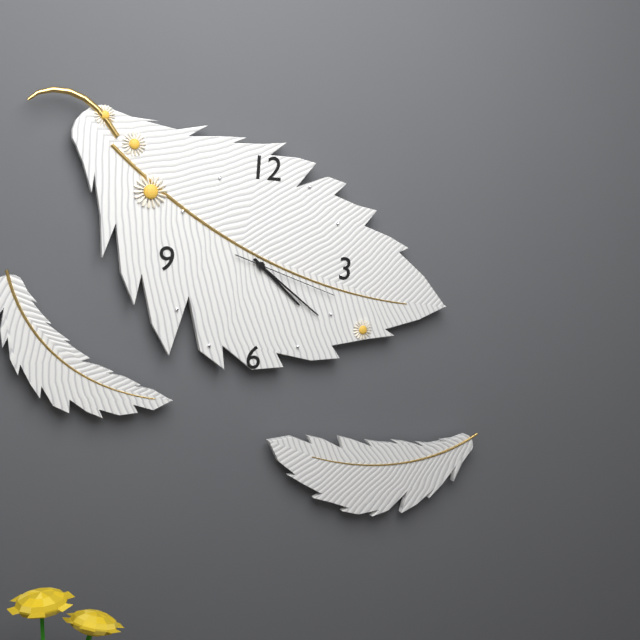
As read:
**4:21:18**
